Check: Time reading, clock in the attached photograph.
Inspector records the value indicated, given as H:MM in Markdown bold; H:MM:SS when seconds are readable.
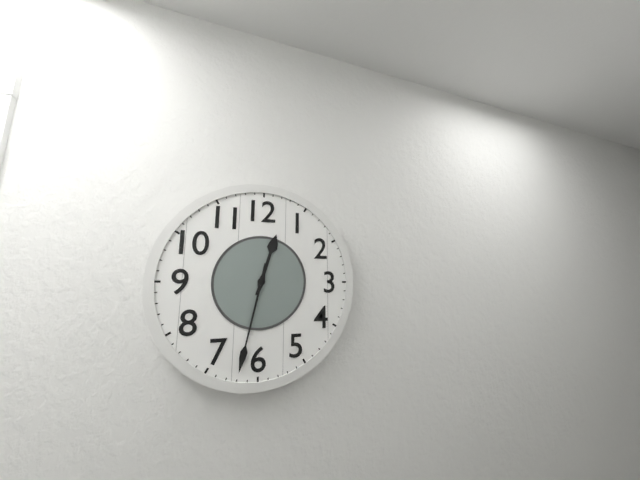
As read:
**12:32**
